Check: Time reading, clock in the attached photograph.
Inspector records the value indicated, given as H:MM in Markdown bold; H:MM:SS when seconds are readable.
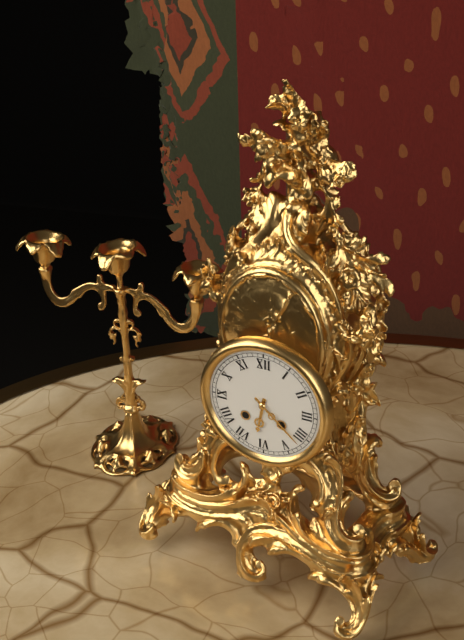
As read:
**6:22**
